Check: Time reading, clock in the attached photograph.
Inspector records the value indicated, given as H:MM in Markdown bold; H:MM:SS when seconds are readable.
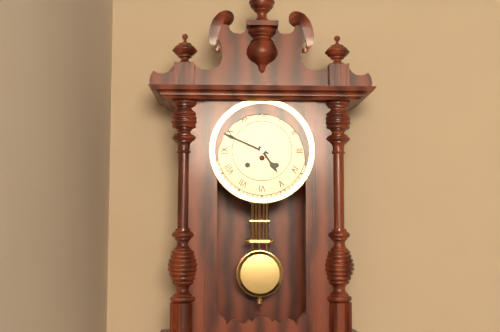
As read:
**4:49**
